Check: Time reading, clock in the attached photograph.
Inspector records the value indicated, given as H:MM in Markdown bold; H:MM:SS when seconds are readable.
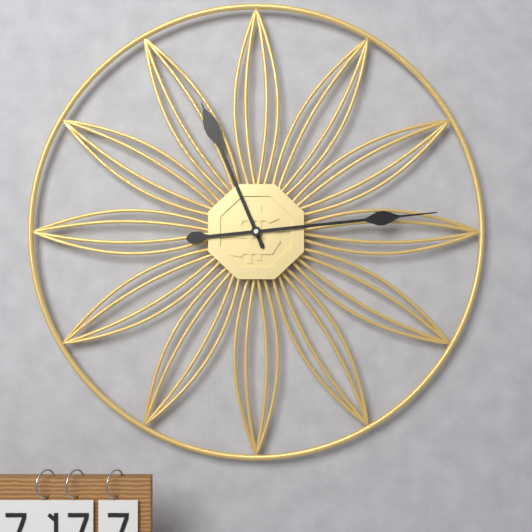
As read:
**11:14**
